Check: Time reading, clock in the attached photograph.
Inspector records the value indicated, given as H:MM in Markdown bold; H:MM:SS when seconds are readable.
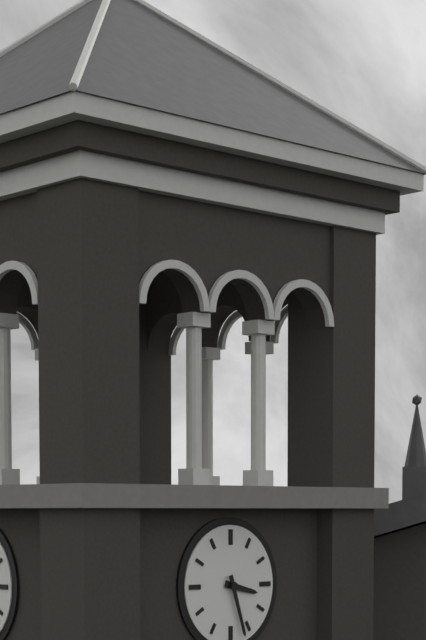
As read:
**3:27**
